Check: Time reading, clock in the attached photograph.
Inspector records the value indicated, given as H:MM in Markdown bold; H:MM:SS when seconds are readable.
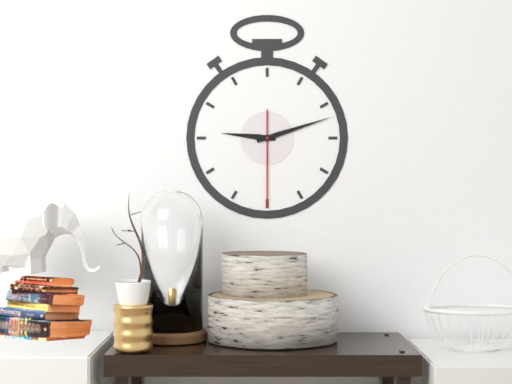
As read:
**9:12:30**
